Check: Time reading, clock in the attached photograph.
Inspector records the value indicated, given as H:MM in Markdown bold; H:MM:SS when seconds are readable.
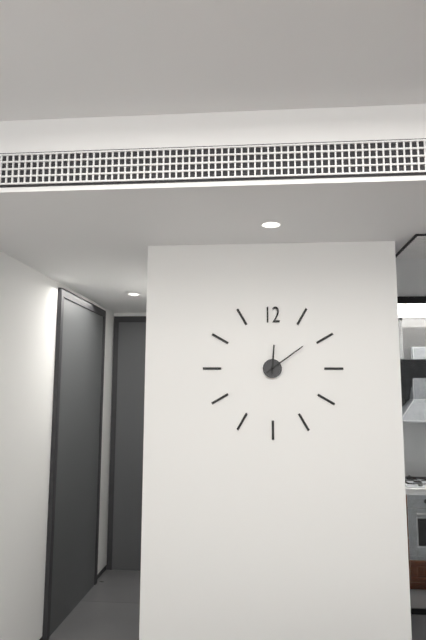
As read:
**12:09**
